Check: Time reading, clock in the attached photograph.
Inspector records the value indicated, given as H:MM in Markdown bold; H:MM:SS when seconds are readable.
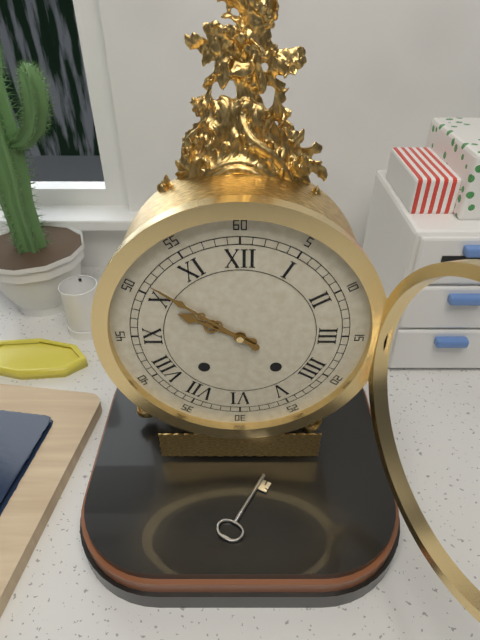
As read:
**9:51**
